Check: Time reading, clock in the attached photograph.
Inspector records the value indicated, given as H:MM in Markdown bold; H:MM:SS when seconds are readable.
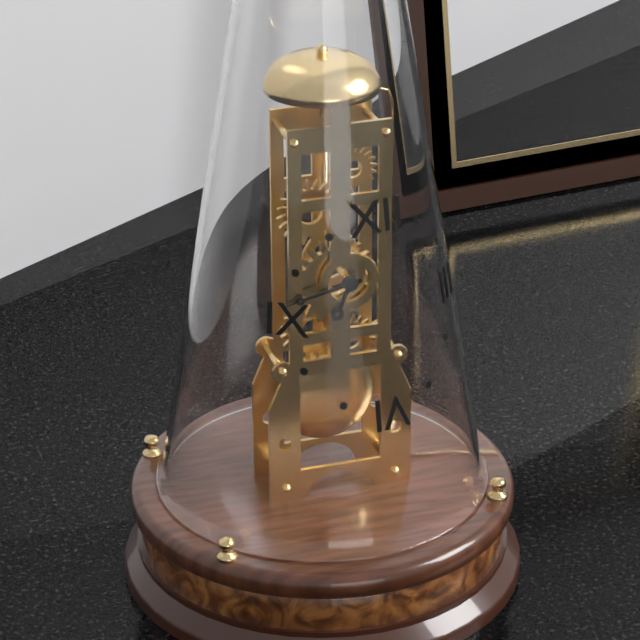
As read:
**6:43**
